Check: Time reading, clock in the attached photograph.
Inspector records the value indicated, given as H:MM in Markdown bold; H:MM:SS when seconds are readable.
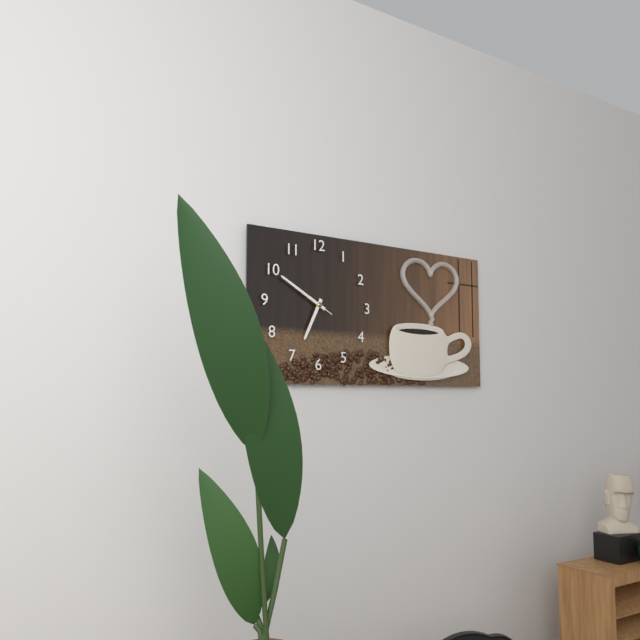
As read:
**6:50:50**
